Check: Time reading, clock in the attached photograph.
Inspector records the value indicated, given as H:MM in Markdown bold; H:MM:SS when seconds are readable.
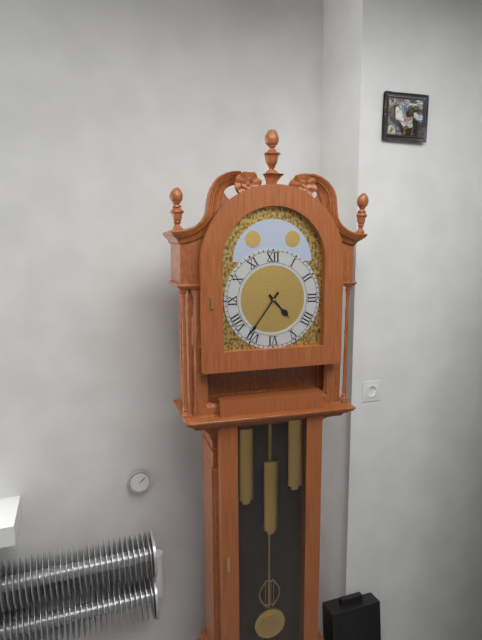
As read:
**4:36**
